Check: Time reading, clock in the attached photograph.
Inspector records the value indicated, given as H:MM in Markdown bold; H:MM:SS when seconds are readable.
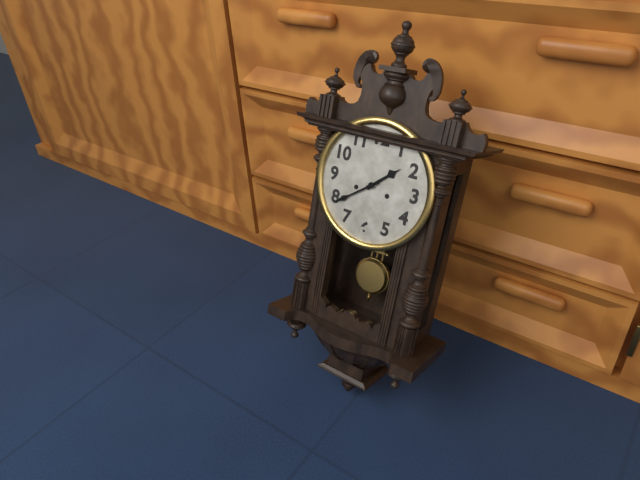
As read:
**1:39**
